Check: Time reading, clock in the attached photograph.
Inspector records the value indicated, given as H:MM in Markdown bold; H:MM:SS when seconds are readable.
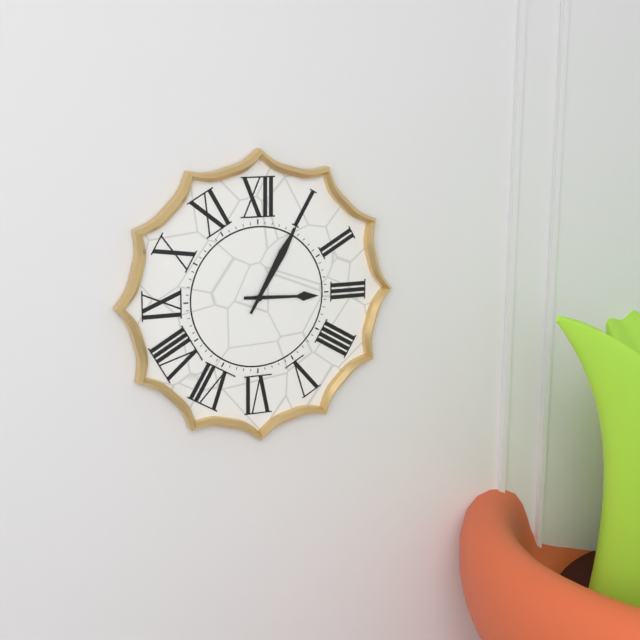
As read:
**3:05**
